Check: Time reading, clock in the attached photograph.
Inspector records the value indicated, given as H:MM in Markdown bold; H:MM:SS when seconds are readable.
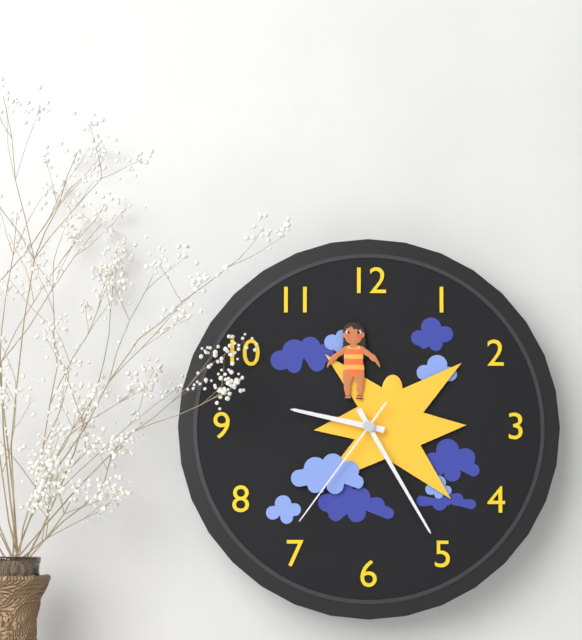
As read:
**9:25:36**
